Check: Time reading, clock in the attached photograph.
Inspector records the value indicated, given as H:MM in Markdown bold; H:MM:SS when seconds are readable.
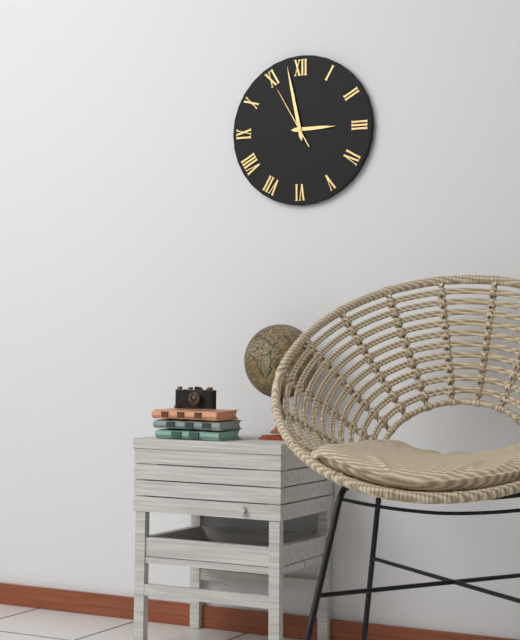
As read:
**2:58:55**
